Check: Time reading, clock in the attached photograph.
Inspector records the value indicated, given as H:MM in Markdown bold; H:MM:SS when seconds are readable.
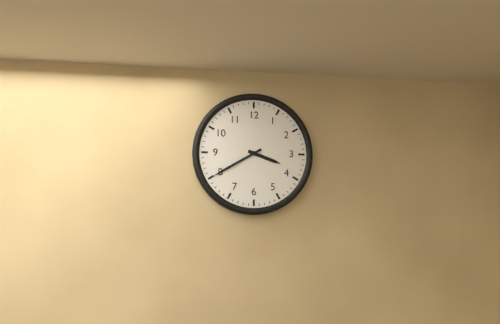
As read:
**3:40**
